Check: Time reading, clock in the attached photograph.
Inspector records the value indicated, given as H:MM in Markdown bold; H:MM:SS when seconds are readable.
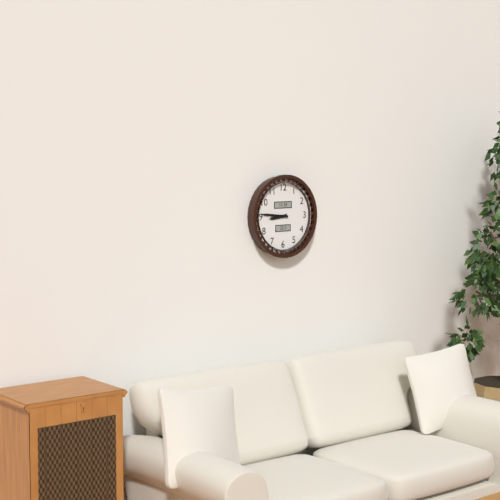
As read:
**8:46**
